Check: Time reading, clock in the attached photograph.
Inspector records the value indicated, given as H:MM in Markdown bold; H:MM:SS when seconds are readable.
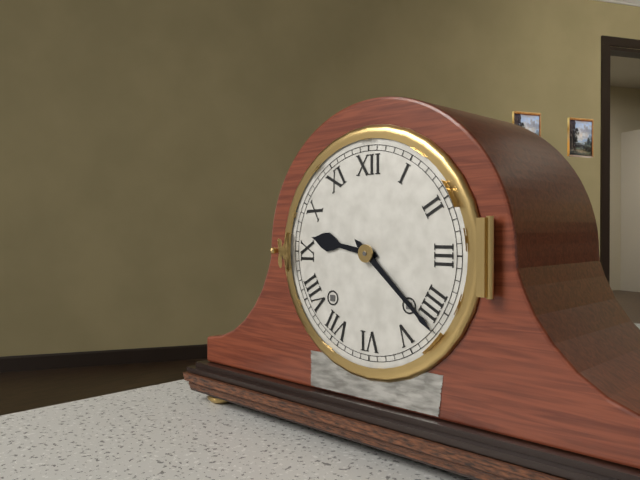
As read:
**9:22**
